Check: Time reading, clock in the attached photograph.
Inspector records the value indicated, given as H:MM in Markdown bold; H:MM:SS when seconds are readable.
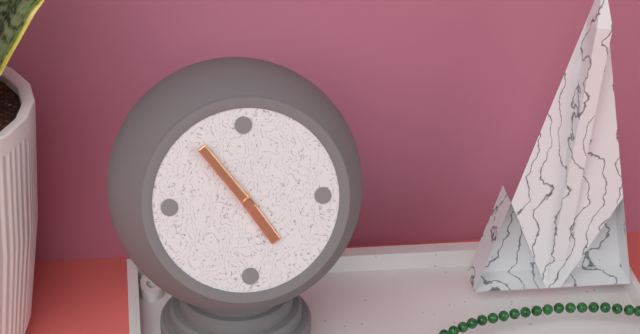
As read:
**4:54**
